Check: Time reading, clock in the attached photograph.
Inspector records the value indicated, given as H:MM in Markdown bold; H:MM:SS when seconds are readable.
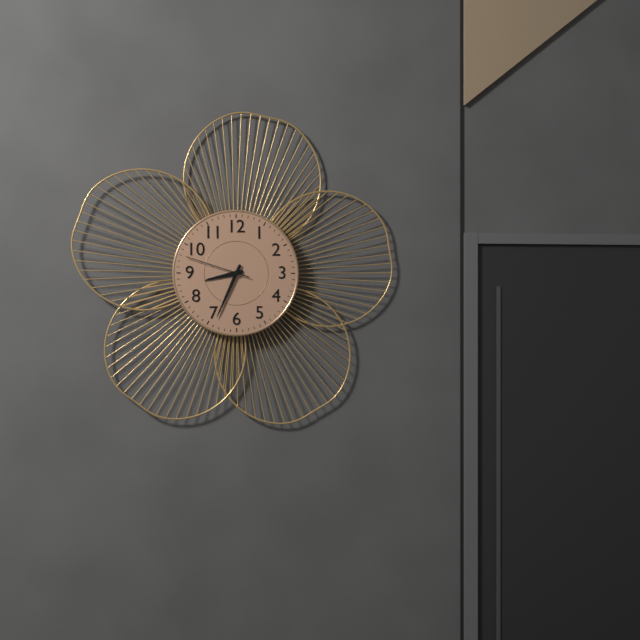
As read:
**8:34:48**
